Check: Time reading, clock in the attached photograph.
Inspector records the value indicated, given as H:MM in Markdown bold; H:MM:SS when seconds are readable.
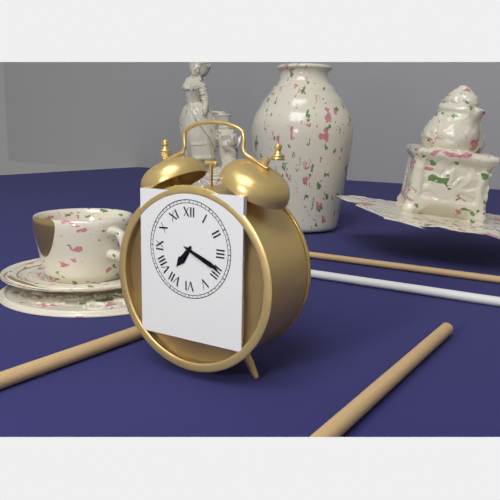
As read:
**7:19**
